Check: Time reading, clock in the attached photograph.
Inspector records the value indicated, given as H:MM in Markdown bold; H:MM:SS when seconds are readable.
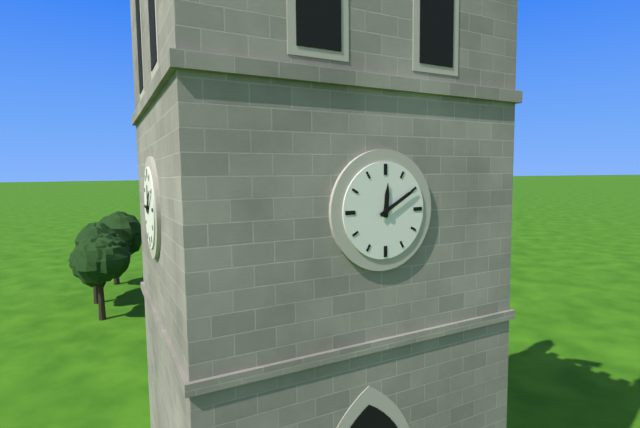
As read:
**12:10**
